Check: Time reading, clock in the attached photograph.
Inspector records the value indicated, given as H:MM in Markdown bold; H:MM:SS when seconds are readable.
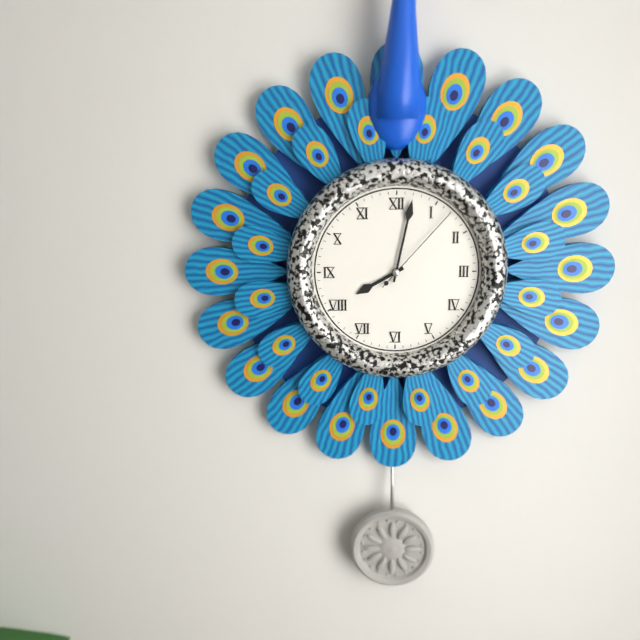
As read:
**8:02:07**
